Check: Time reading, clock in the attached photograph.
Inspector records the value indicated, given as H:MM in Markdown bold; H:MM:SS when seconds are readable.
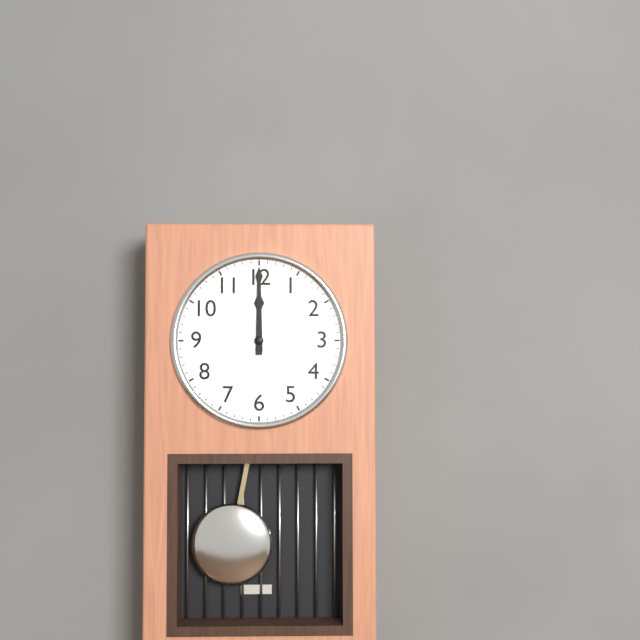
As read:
**12:00**
